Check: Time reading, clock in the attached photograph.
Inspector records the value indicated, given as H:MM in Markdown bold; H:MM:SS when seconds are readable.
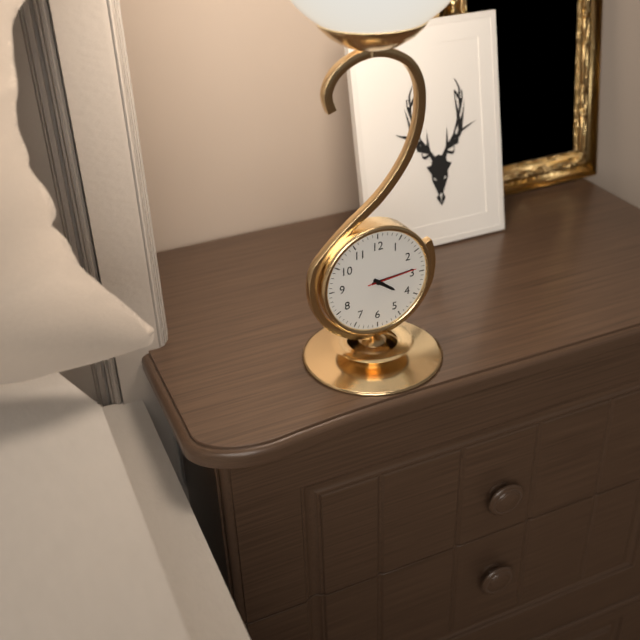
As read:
**4:14:14**
